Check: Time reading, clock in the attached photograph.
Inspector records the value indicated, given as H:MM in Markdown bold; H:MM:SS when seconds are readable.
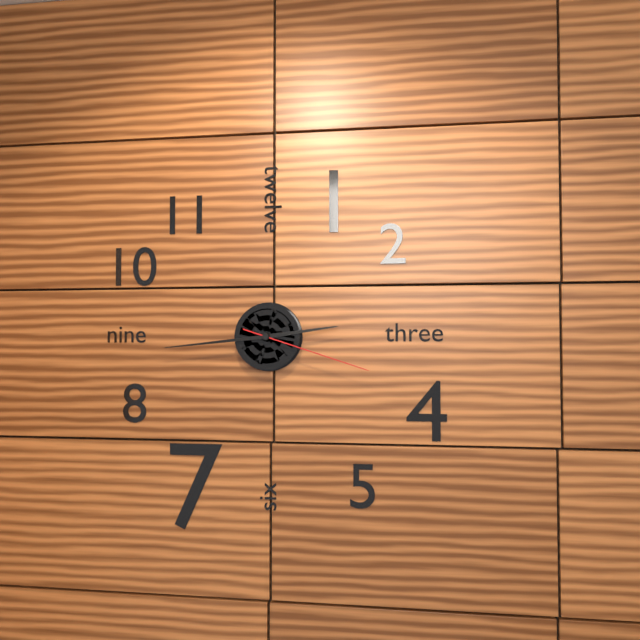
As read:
**2:44:18**
